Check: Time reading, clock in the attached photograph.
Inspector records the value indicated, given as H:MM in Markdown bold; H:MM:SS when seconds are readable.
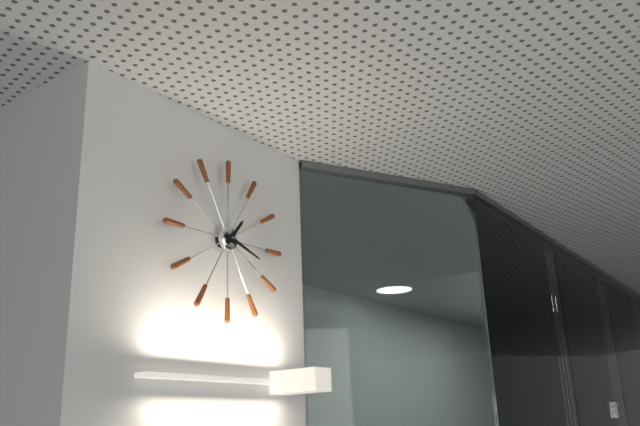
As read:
**1:18**
